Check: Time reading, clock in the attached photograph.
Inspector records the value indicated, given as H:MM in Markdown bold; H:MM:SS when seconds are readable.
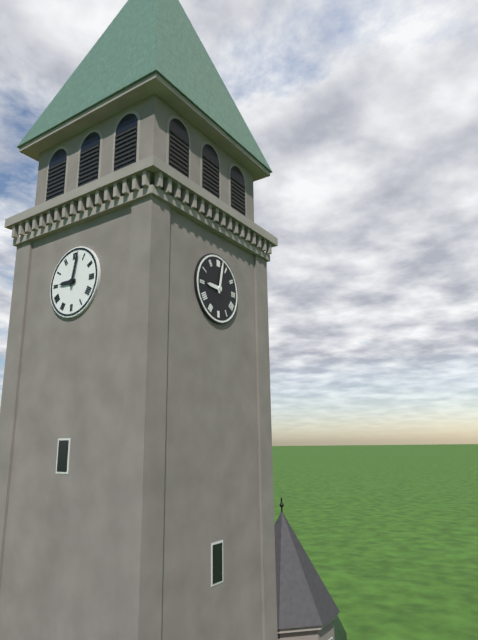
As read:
**9:02**
